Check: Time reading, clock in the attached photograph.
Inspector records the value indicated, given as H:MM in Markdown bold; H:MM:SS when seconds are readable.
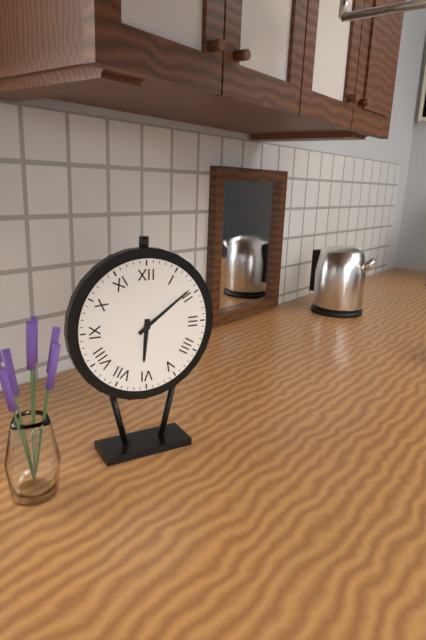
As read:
**6:09**
